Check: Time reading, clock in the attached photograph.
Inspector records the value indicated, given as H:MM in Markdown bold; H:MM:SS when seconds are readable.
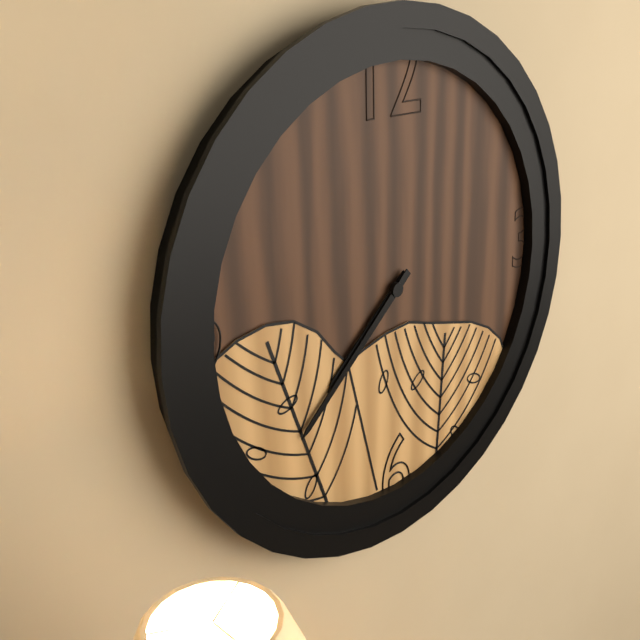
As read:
**7:38**
